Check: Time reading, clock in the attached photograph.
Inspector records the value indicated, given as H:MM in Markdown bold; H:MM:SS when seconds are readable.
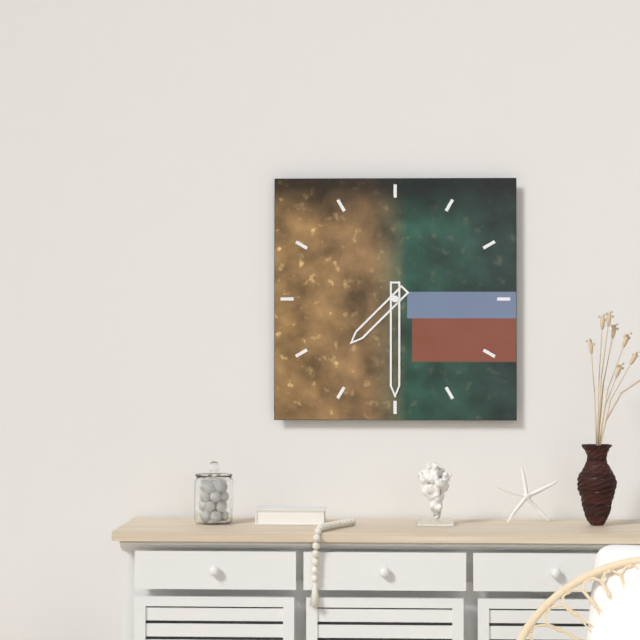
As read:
**7:30**
